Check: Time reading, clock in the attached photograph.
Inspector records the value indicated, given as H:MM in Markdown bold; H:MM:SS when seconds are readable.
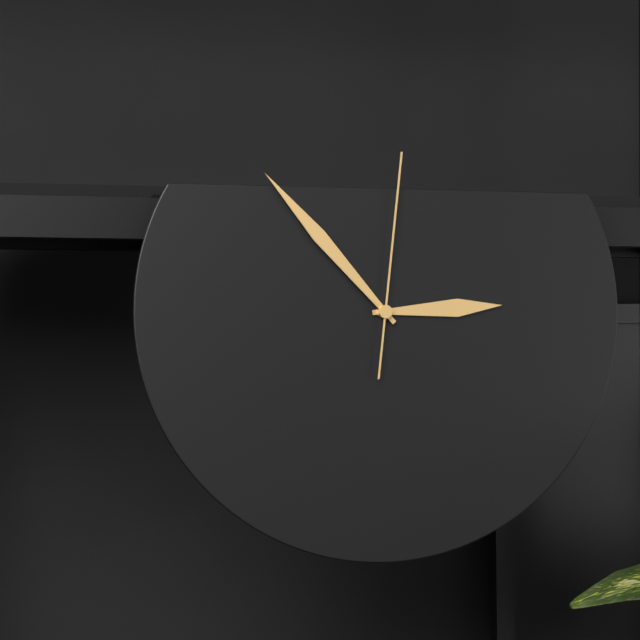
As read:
**2:53:01**
